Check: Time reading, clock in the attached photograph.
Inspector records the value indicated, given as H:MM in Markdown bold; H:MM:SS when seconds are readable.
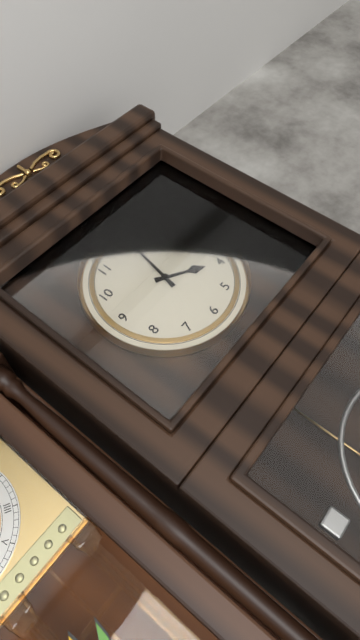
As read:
**4:02**
